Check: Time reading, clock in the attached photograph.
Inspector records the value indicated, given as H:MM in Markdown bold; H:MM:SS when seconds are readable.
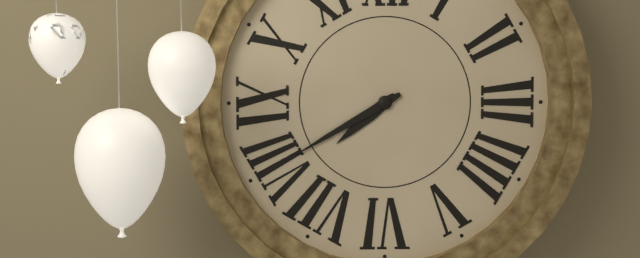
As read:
**7:40**
